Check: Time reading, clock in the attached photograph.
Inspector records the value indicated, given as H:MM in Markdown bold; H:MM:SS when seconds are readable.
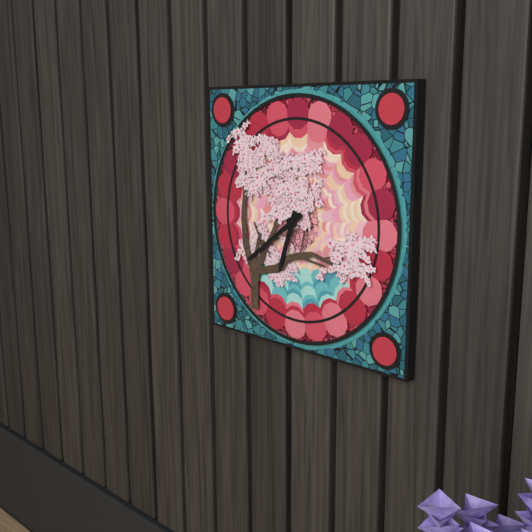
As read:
**6:39**
